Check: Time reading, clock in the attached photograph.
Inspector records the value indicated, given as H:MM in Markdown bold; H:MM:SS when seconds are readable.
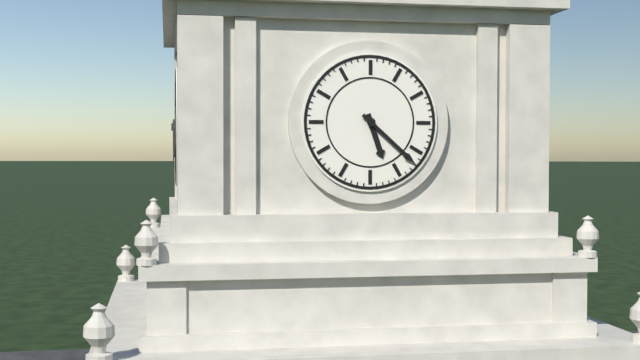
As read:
**5:22**
